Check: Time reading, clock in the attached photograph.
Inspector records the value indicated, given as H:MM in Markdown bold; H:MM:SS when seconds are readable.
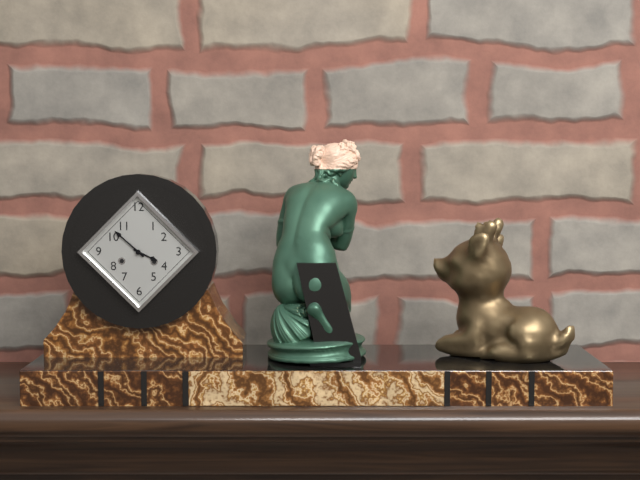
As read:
**3:52**
